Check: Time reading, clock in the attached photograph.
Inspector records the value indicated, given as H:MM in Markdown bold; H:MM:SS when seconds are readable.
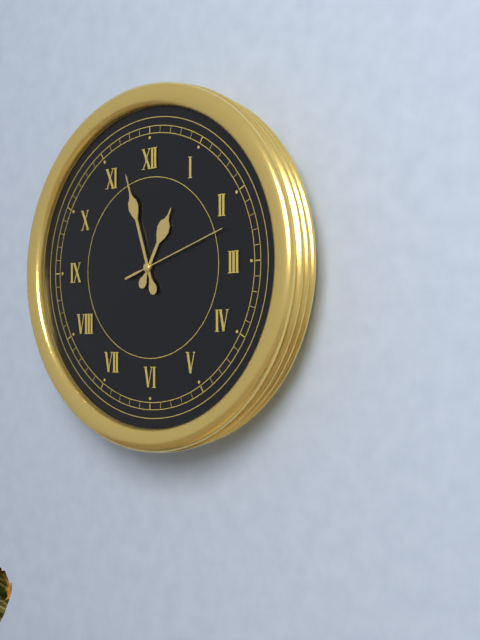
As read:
**12:57:12**
